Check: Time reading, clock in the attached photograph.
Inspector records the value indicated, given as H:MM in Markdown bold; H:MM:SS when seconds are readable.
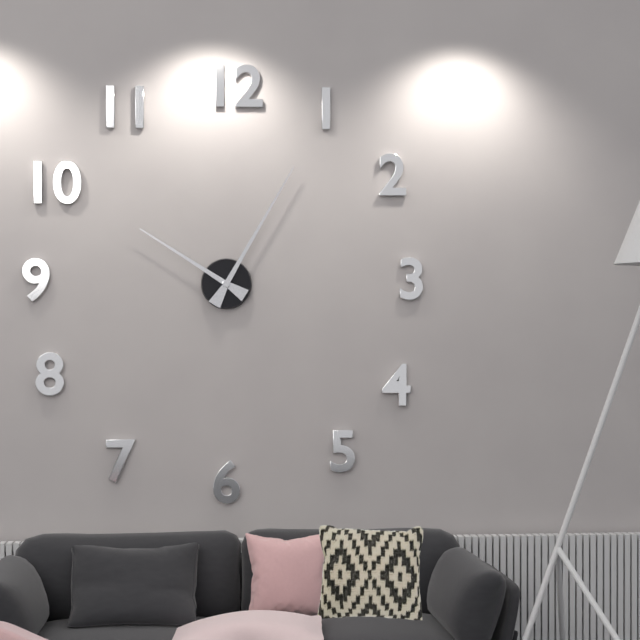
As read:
**10:05**
